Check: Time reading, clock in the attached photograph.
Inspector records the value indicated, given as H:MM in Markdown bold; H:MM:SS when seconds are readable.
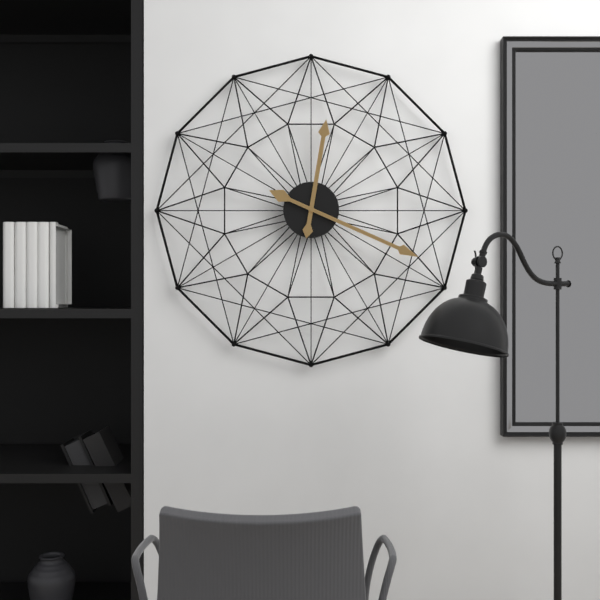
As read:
**12:19**
